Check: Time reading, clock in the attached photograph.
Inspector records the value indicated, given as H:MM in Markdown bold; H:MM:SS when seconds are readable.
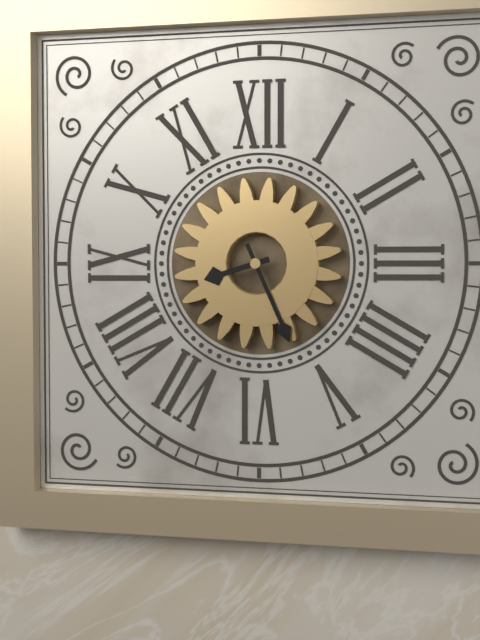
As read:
**8:26**
